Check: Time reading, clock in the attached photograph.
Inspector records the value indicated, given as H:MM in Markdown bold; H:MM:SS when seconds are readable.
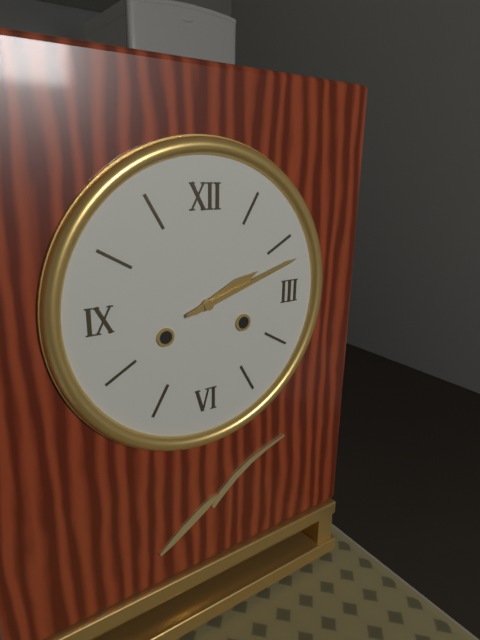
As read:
**2:12**
